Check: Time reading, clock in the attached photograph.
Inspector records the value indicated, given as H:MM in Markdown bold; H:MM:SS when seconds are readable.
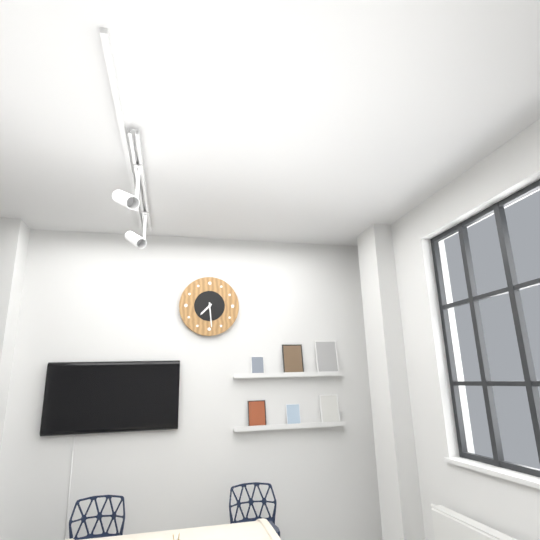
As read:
**7:29**
